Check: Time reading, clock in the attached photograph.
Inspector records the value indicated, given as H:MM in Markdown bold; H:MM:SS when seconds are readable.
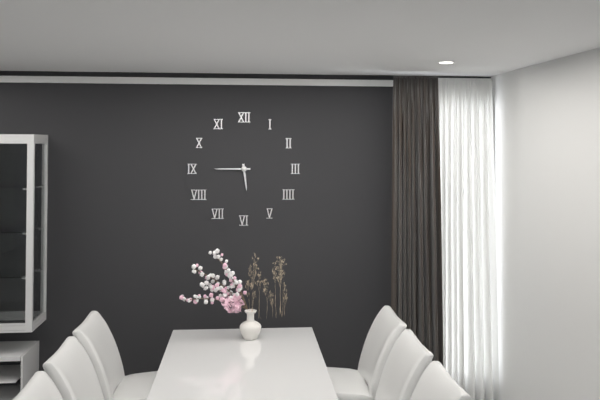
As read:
**5:45**
